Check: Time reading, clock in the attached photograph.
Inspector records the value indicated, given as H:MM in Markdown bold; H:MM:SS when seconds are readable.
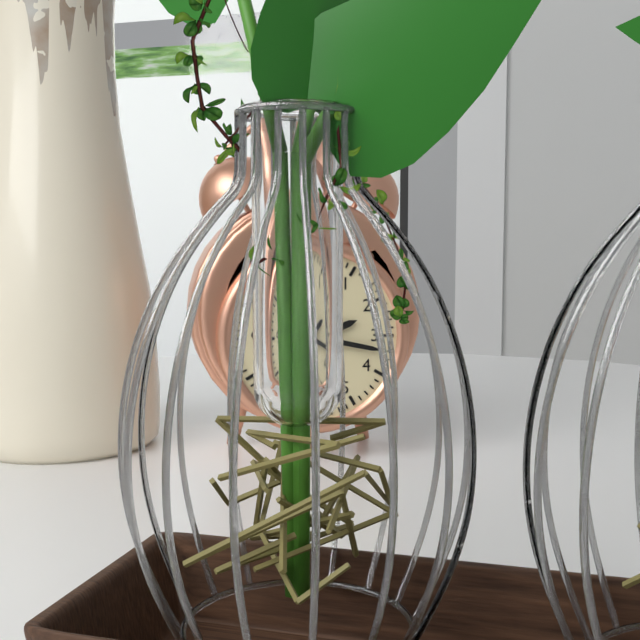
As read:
**2:17:00**
